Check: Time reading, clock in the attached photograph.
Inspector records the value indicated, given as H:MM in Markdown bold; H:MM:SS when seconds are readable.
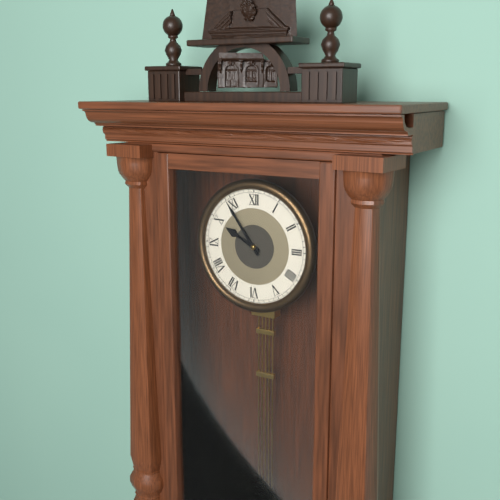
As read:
**9:54**
